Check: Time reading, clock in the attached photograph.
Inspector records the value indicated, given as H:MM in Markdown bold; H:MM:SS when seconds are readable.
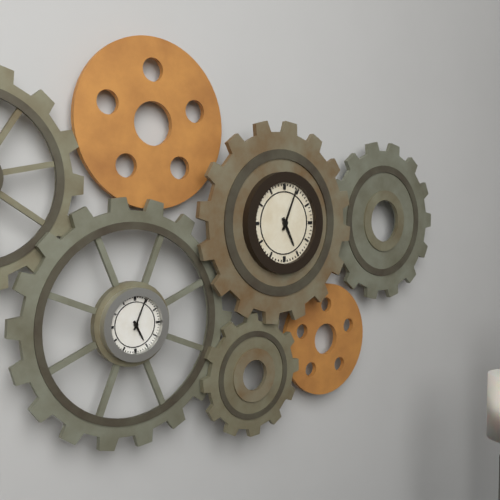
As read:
**5:04**
